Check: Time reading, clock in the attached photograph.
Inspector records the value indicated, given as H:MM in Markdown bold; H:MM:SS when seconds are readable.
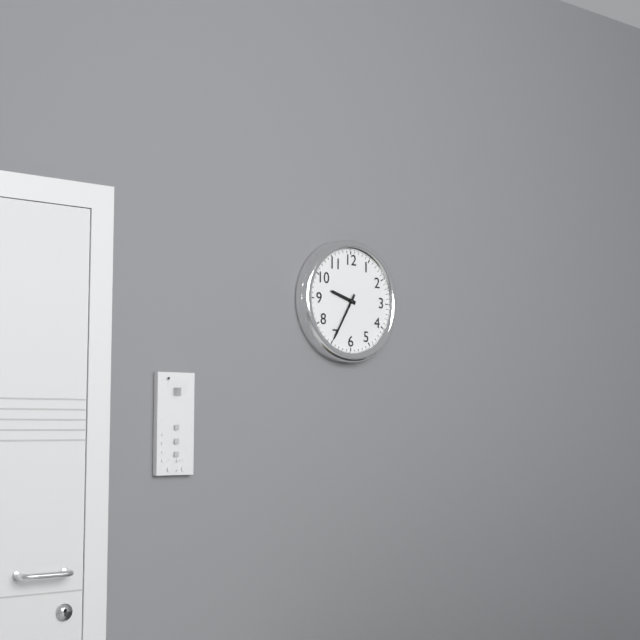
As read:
**9:35**
